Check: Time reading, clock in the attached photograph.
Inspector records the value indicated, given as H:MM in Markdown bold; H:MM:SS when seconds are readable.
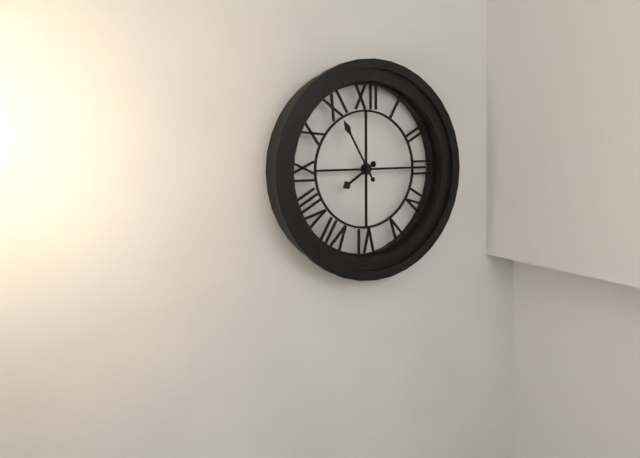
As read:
**7:55**
